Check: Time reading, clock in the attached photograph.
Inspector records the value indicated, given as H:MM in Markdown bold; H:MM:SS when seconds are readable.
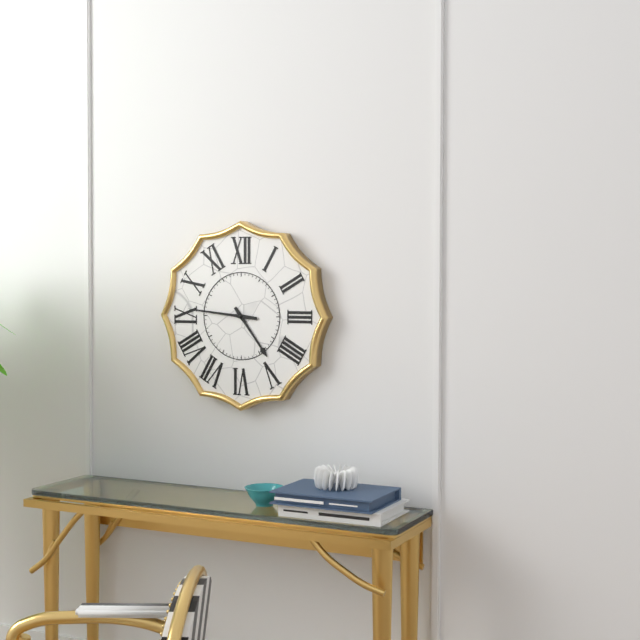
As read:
**4:46**
